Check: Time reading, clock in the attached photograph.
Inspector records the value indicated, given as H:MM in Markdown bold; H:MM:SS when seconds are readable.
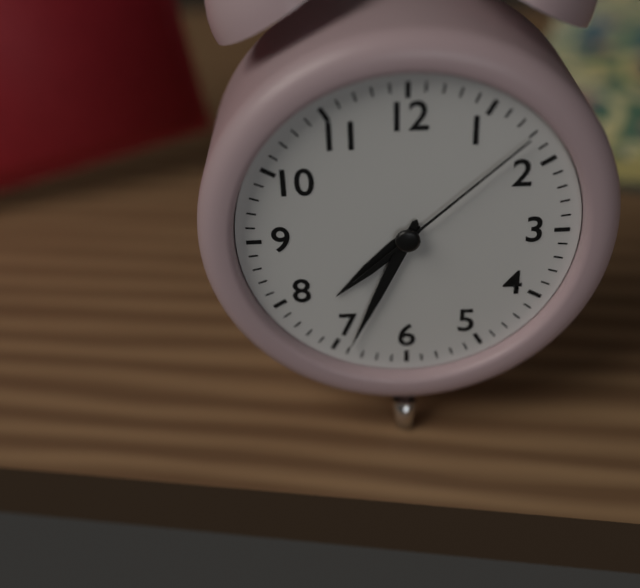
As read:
**7:34:08**
